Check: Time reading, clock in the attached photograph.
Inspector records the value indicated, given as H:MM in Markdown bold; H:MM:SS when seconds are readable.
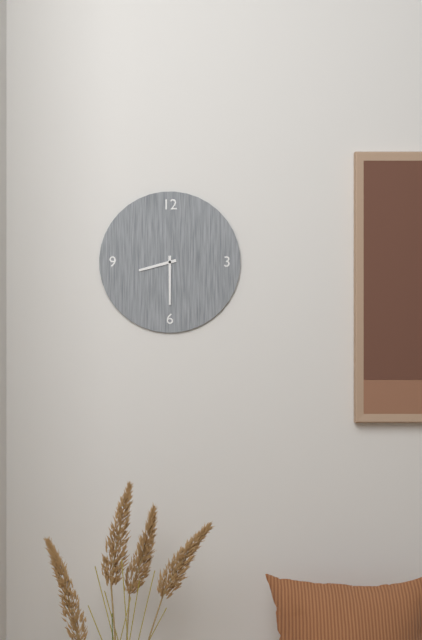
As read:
**8:30**
